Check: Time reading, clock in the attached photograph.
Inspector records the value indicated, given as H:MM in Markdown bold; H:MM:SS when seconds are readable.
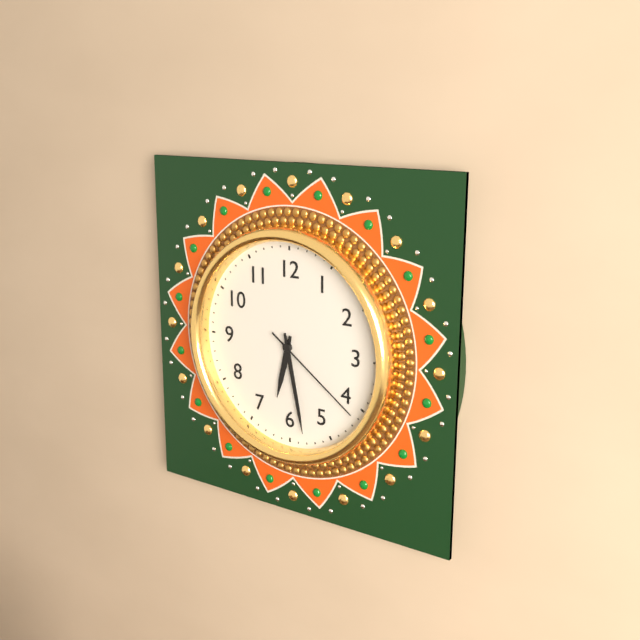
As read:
**6:28:21**
